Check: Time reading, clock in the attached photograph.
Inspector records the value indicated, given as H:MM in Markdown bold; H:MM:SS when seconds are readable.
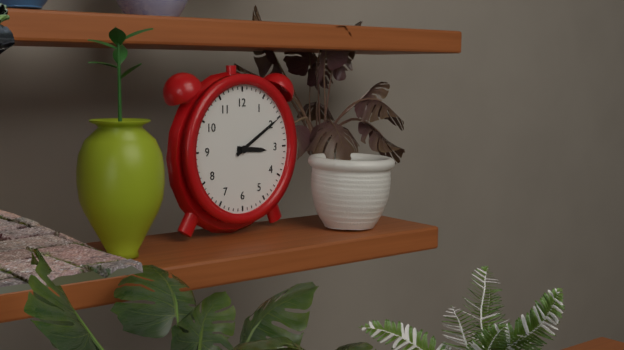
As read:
**3:10**
